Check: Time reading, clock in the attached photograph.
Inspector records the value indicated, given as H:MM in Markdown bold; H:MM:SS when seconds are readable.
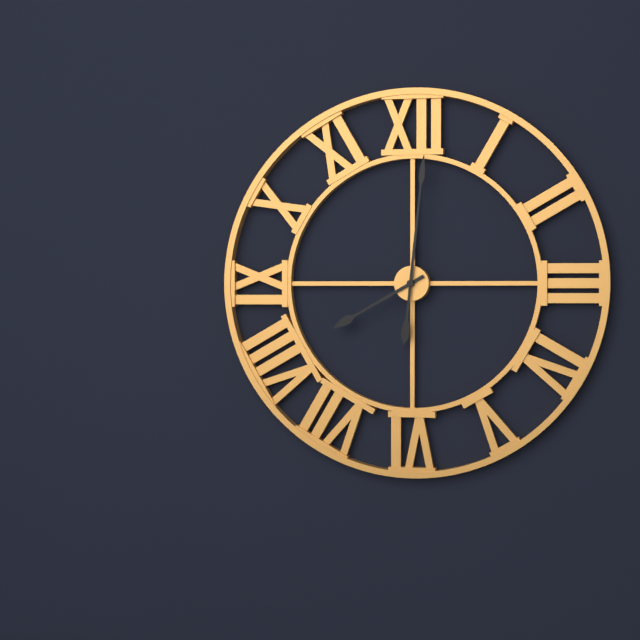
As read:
**8:01**
